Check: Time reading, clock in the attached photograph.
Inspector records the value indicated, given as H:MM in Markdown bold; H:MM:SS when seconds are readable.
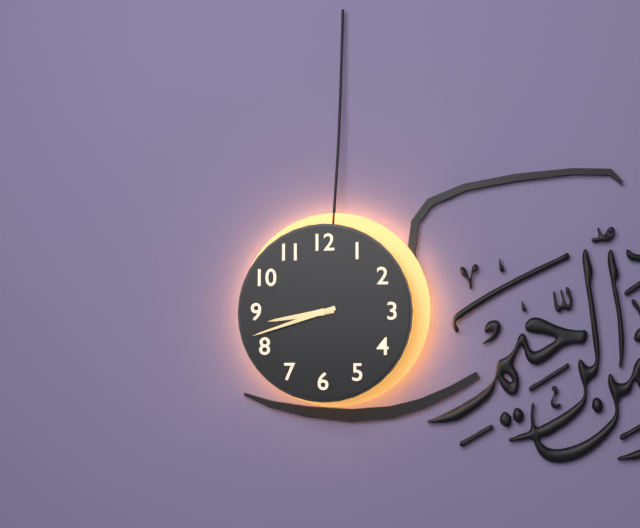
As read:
**8:42**
